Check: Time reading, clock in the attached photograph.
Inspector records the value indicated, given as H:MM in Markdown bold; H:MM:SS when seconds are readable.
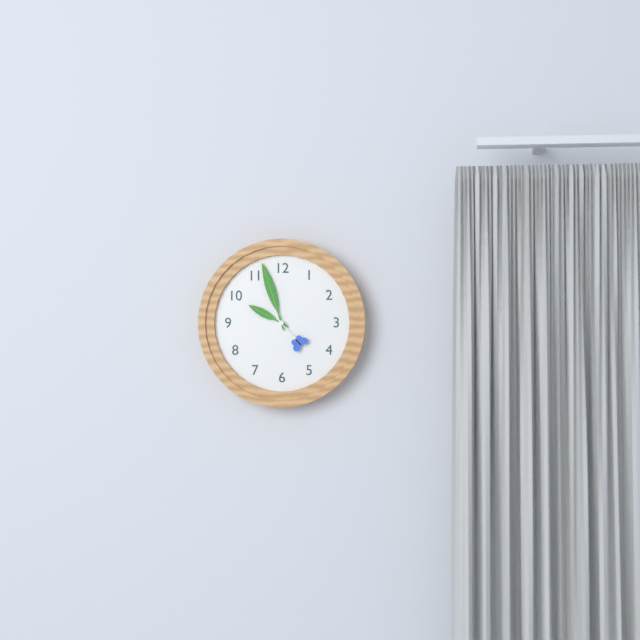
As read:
**9:57**
